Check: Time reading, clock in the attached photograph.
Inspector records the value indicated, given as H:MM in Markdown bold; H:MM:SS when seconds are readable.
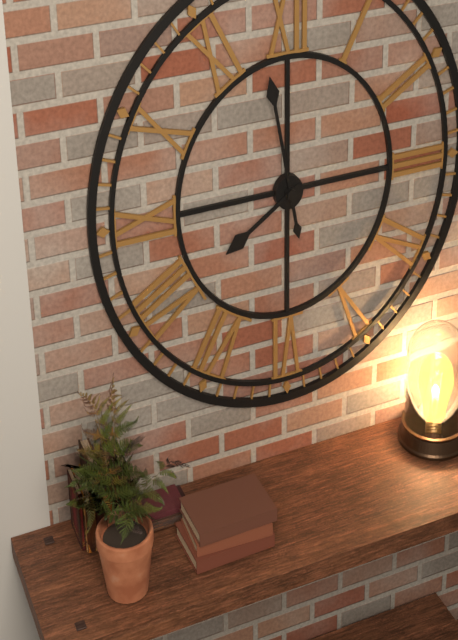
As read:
**7:58**
